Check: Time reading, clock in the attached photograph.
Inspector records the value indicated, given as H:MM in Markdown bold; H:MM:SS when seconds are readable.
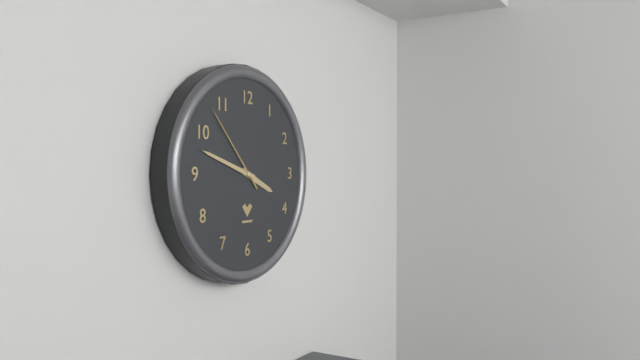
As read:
**3:48:53**
